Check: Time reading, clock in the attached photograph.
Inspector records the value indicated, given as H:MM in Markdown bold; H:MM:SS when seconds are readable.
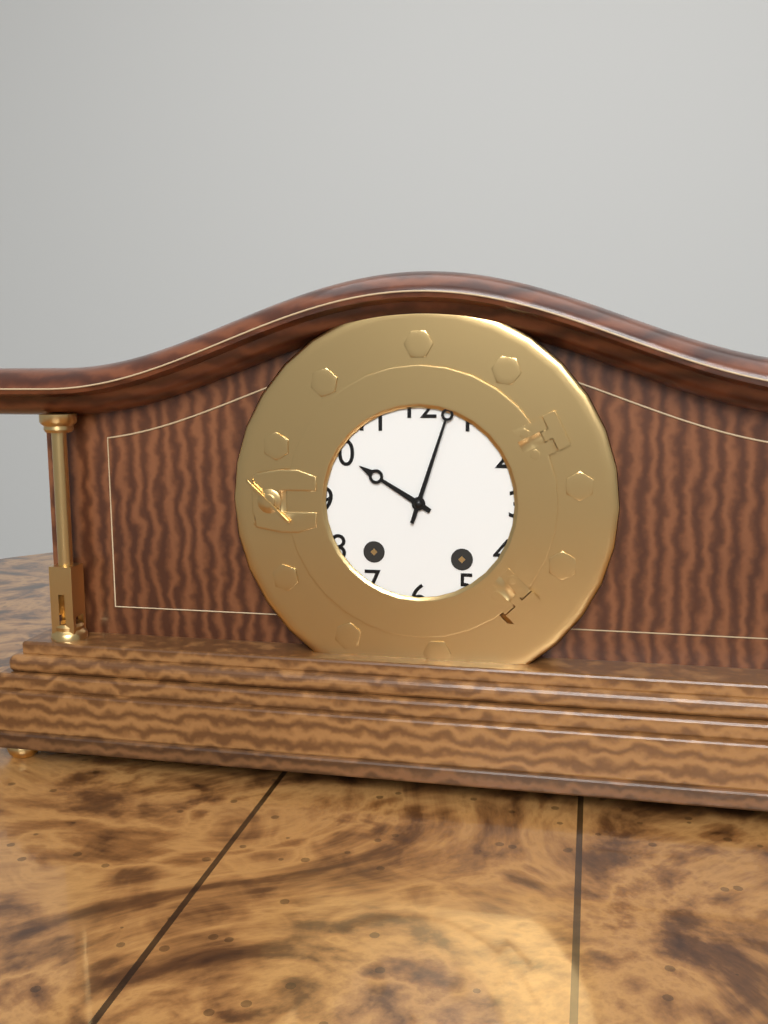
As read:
**10:03**
